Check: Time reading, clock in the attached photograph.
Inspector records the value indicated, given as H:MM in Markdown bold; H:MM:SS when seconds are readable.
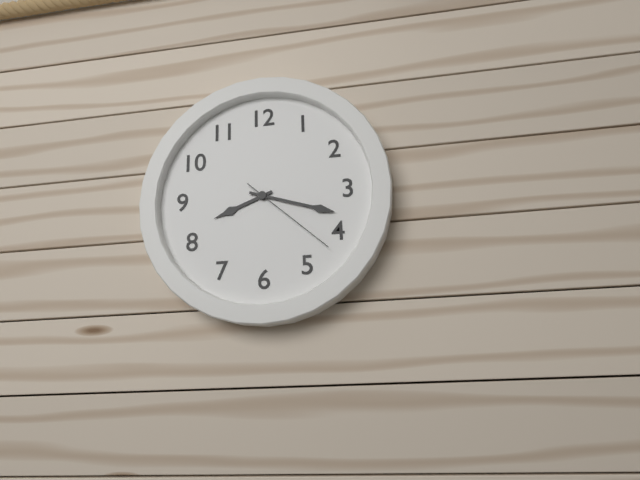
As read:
**8:18:22**
